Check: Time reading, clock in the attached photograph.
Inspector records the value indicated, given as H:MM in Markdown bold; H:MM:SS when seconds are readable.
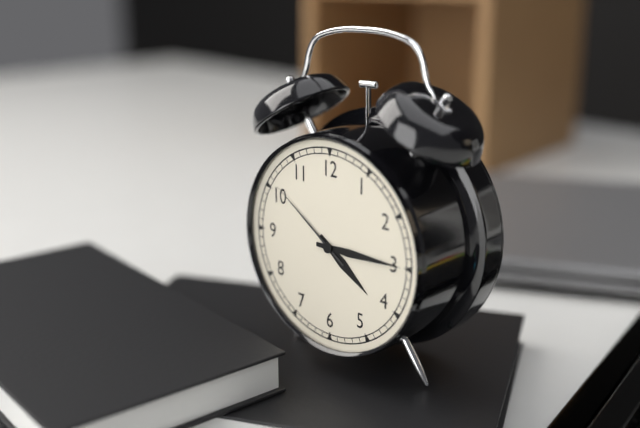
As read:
**4:15:51**
